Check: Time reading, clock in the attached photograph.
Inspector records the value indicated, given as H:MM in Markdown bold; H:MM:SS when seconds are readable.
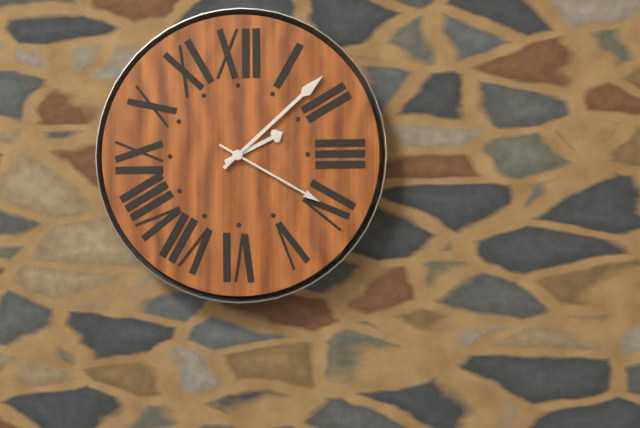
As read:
**2:08:20**
